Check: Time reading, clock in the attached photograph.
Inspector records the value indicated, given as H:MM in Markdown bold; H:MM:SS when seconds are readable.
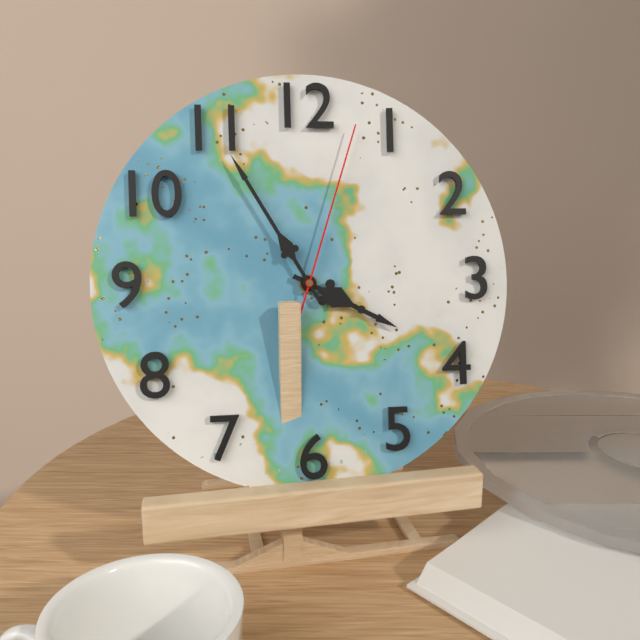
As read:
**3:55:03**
